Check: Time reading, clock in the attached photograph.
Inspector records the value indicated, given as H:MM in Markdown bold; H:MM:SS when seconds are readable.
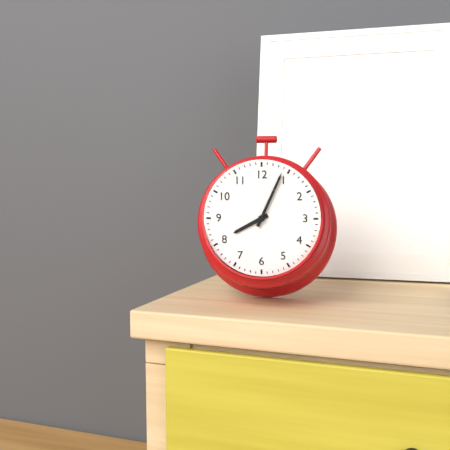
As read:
**8:04**
